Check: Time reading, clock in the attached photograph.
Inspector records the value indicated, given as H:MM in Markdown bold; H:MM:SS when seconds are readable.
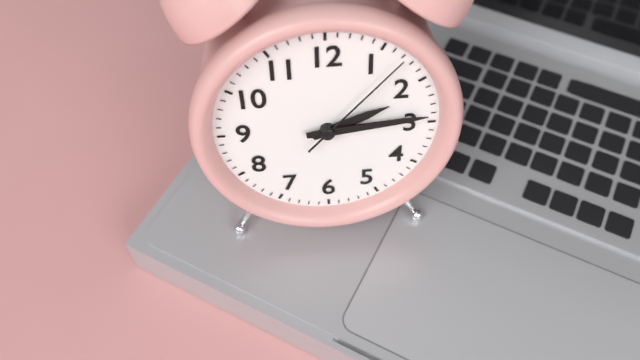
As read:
**2:14:07**
